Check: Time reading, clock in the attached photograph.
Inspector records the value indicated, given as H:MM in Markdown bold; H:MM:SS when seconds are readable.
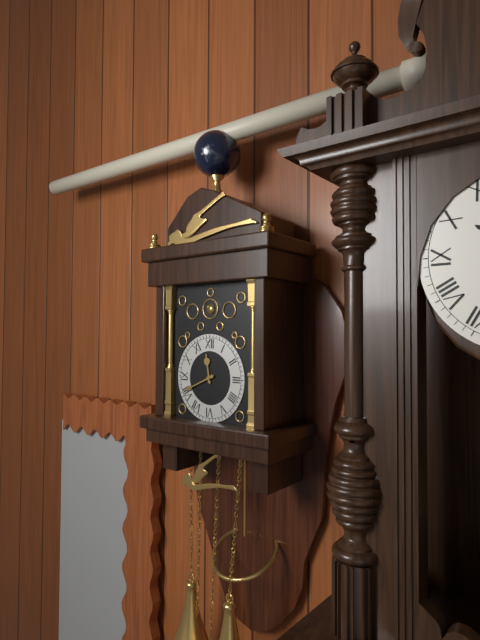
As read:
**11:41**
